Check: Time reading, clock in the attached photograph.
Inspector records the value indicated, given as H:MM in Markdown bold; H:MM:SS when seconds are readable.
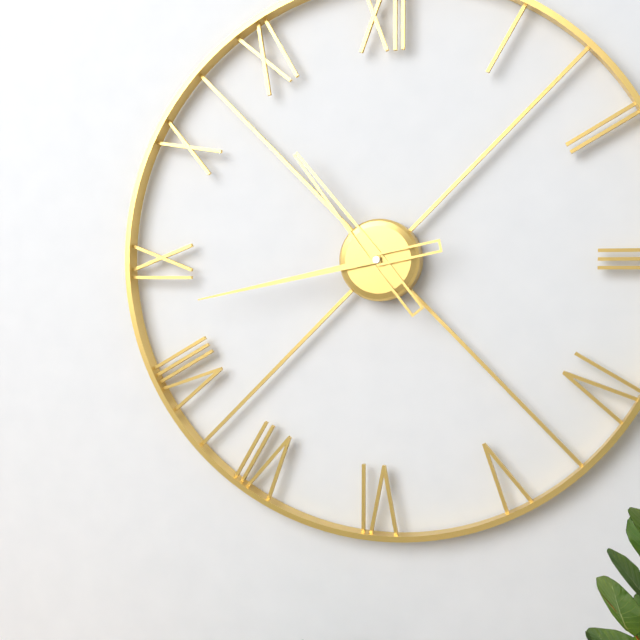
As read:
**10:43**
